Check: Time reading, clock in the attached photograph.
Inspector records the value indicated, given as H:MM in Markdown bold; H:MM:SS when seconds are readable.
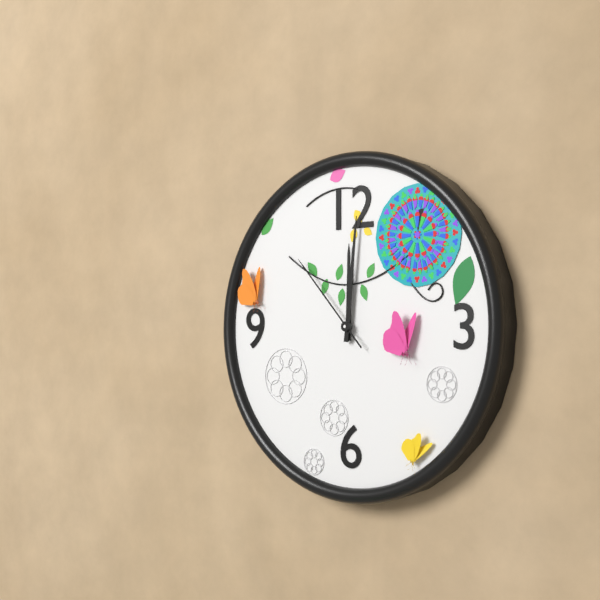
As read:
**12:01:53**
